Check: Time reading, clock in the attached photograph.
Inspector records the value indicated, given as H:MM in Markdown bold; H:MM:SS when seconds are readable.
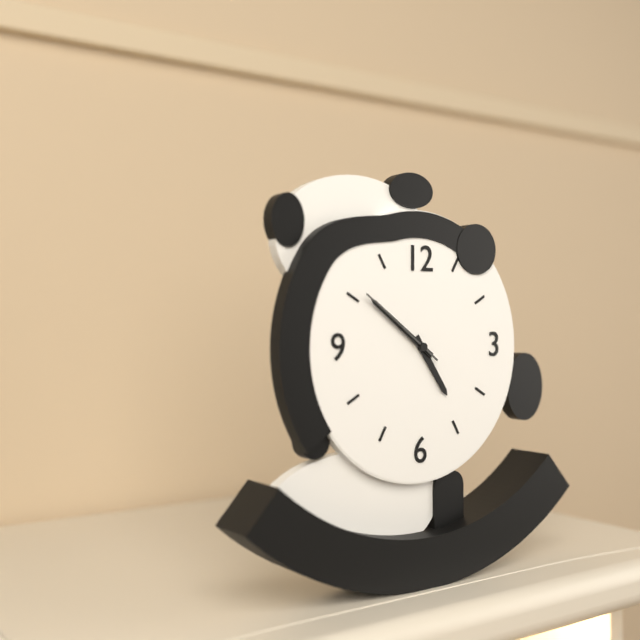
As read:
**4:51:51**
